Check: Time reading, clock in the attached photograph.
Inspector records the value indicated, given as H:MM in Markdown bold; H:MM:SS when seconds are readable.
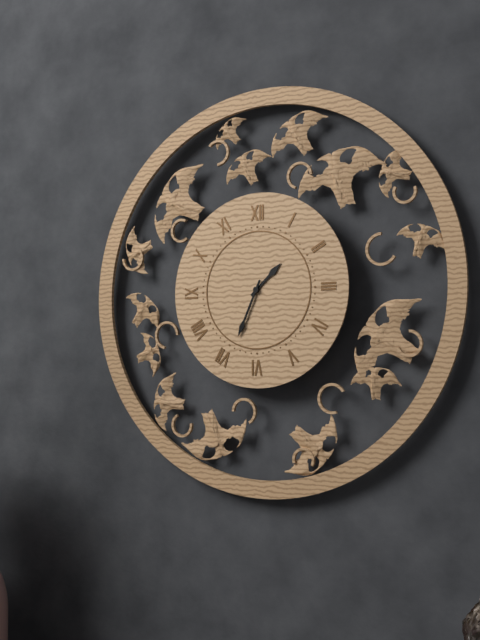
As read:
**1:34**
